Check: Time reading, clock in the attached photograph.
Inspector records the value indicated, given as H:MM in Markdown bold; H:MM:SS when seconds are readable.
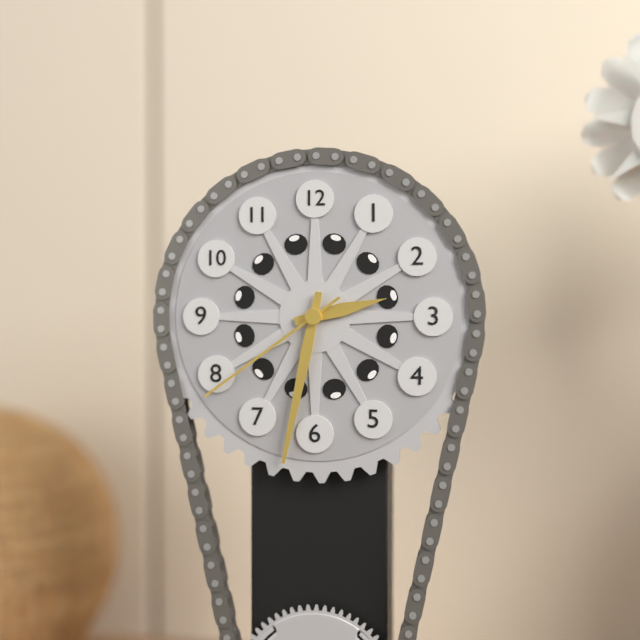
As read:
**2:32:39**
